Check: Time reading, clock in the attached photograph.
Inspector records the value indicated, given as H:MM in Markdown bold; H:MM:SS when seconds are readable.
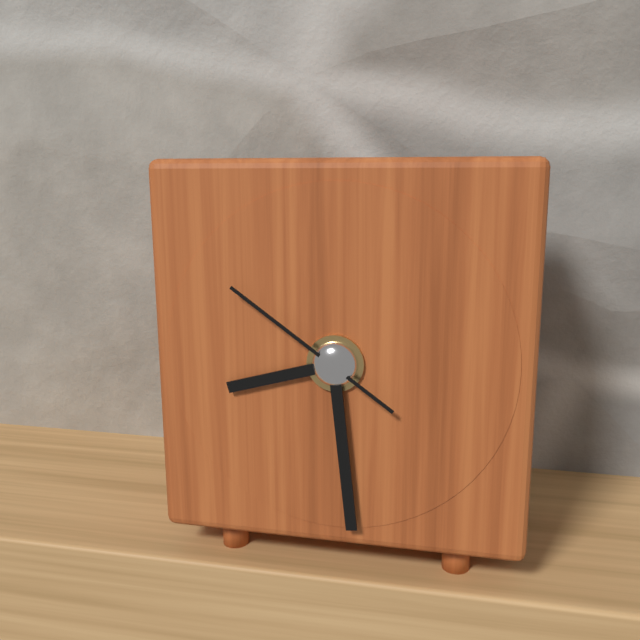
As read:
**8:29:51**
